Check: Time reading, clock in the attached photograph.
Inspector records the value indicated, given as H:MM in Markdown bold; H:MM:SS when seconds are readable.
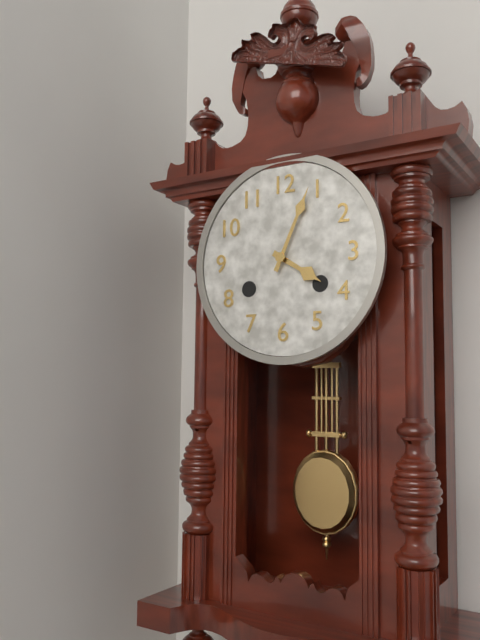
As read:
**4:04**
